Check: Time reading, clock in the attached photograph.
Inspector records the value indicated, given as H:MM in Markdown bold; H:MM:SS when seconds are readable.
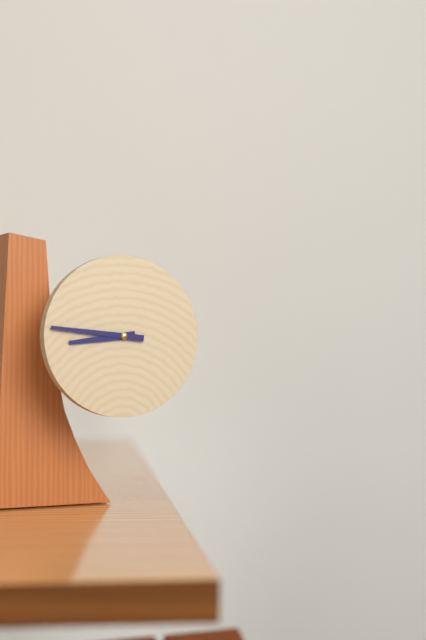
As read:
**8:46**
